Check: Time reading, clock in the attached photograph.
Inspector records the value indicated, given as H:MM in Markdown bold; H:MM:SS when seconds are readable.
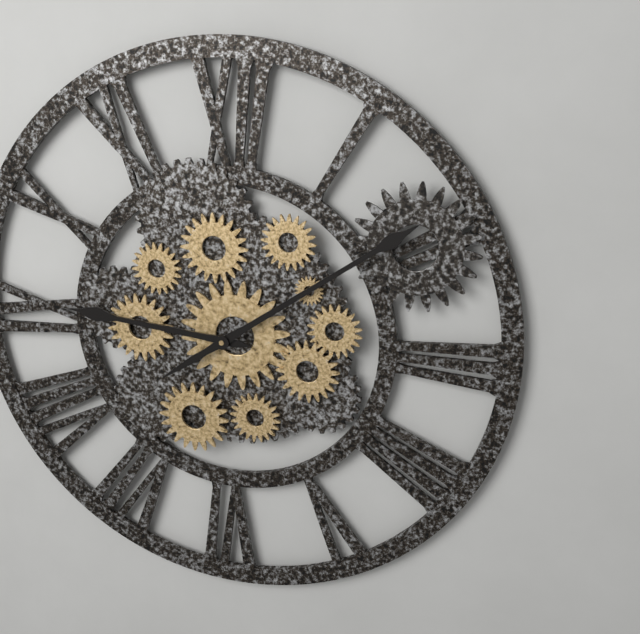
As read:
**9:09**
